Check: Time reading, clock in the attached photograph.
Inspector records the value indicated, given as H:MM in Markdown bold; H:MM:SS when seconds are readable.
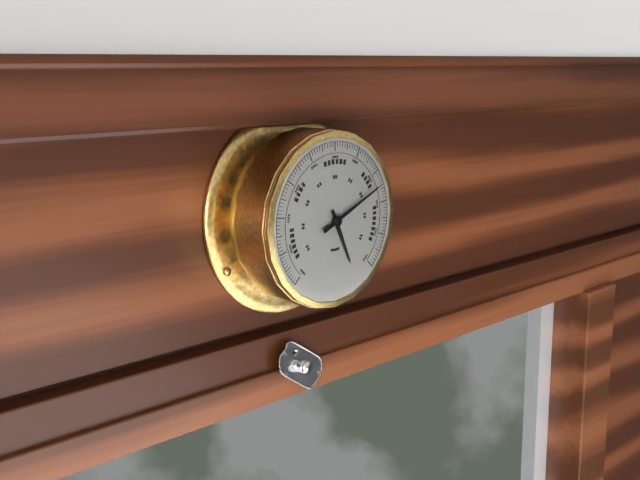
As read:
**5:11**
